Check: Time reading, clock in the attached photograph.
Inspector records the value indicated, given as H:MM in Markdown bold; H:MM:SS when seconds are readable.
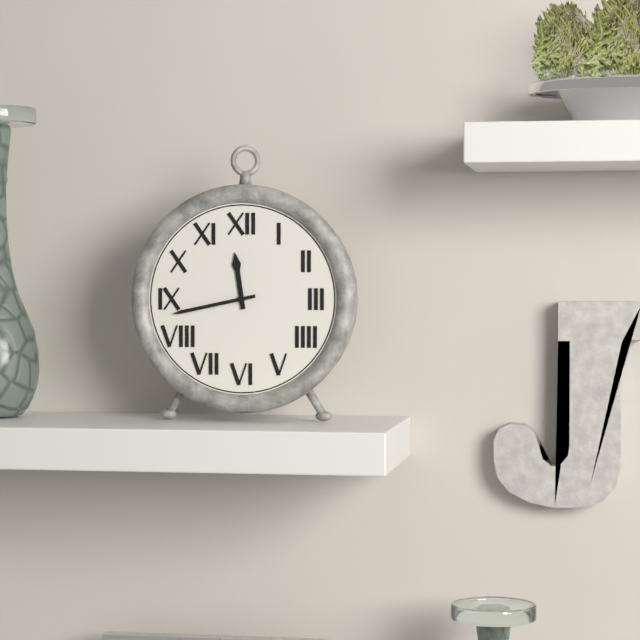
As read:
**11:43**
